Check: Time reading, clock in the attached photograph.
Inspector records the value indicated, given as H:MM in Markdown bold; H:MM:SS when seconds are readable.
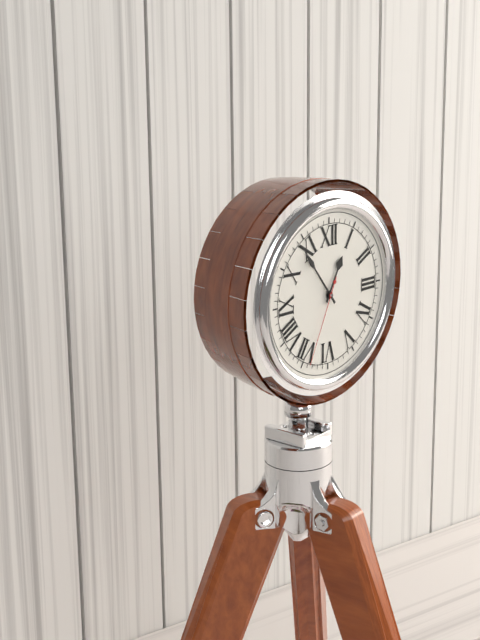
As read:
**12:54:34**
